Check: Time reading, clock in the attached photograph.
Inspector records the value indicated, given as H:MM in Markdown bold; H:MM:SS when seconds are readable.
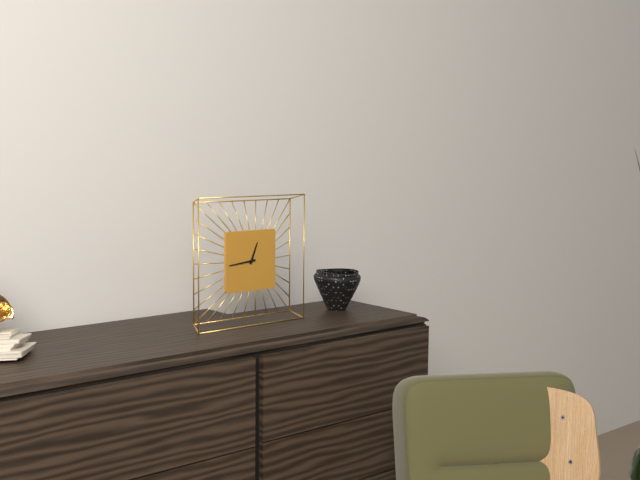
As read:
**12:44**
